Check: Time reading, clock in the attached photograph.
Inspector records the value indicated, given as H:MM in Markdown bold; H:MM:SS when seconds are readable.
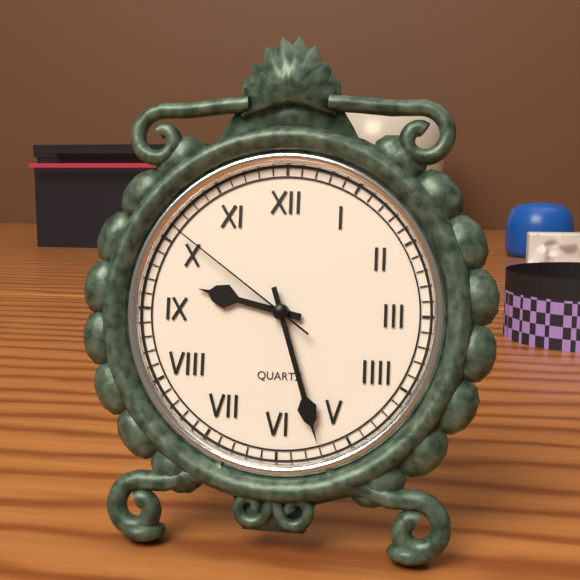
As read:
**9:27:51**
